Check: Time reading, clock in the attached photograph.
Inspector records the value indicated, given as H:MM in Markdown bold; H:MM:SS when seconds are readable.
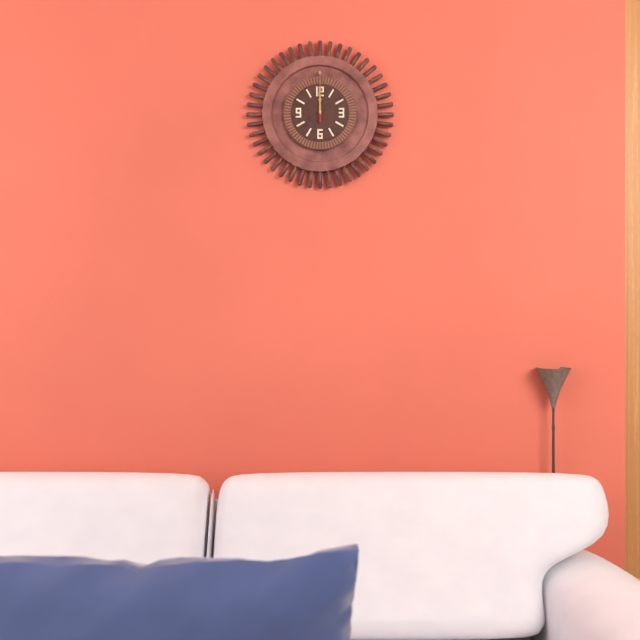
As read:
**12:00**
